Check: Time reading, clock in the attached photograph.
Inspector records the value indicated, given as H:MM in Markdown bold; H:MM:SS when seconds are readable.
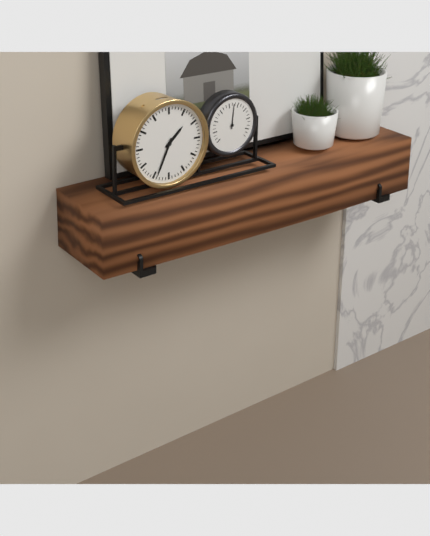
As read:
**1:34**
